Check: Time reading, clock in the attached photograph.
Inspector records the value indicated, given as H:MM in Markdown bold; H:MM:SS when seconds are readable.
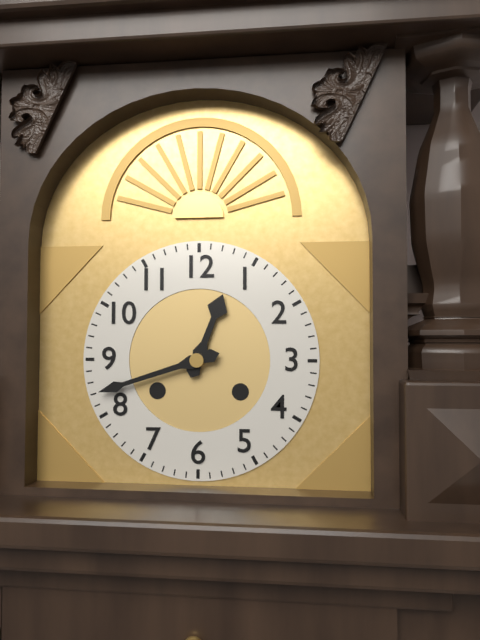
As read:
**12:42**
